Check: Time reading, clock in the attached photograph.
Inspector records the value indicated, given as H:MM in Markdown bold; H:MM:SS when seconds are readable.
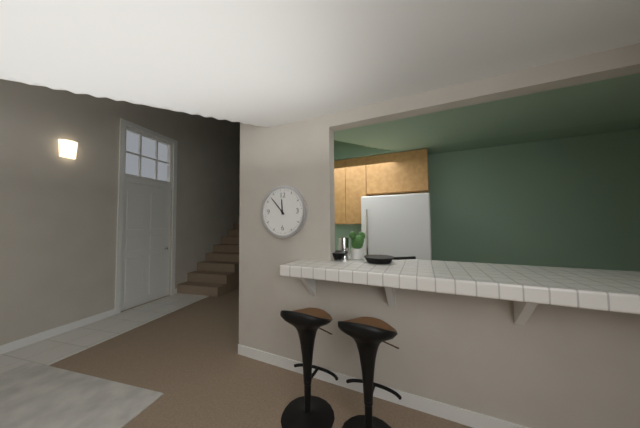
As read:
**11:53**
